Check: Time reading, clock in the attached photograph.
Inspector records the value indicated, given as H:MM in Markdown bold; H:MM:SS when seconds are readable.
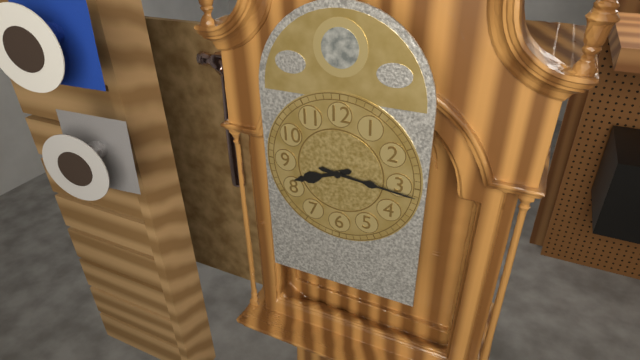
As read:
**8:16**
